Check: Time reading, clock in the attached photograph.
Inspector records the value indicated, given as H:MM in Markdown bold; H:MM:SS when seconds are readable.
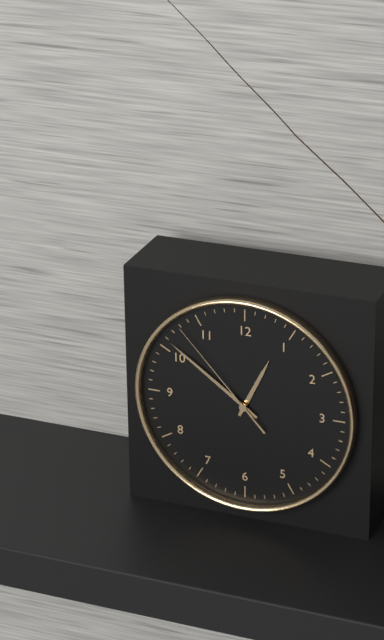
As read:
**12:51:53**
